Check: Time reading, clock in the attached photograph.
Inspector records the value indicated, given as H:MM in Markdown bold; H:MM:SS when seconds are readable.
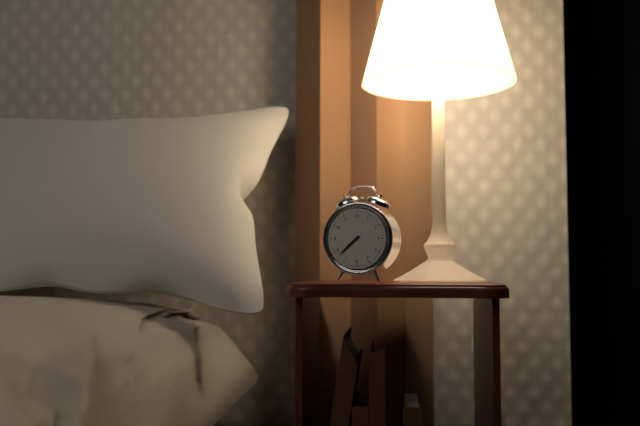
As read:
**7:38**
